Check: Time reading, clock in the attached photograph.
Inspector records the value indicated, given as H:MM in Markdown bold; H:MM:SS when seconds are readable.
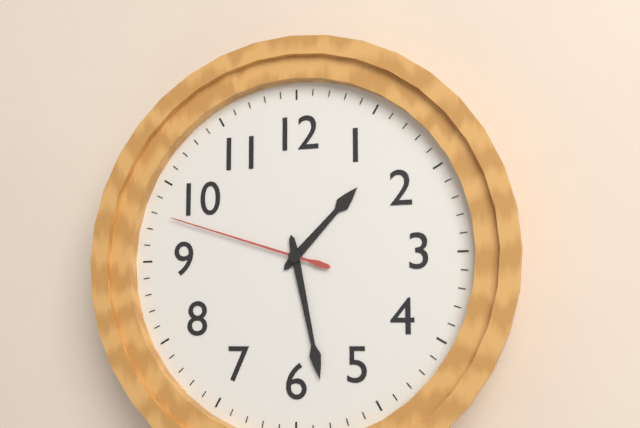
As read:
**1:28:48**
